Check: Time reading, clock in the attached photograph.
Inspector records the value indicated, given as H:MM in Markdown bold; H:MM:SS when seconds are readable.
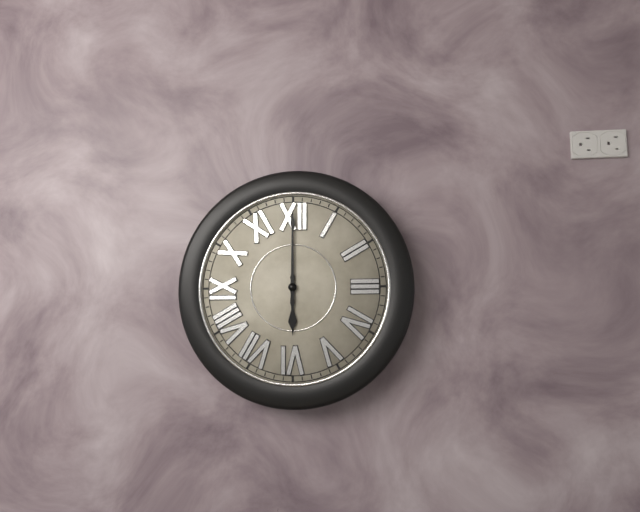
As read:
**6:00**
